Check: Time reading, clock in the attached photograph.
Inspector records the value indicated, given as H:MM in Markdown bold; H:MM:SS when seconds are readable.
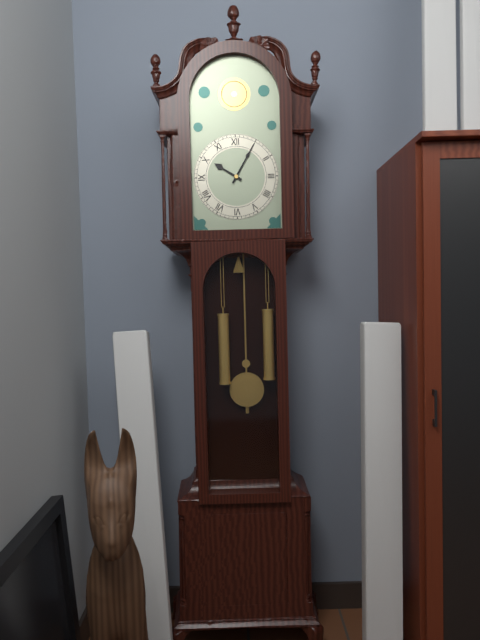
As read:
**10:05**
